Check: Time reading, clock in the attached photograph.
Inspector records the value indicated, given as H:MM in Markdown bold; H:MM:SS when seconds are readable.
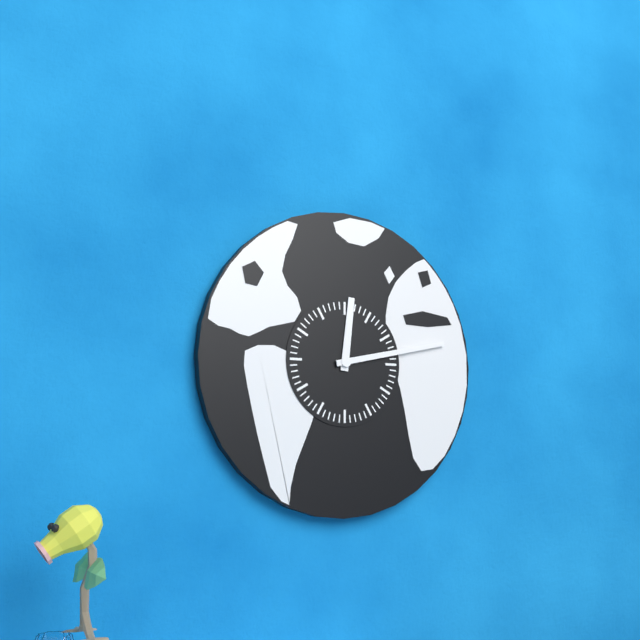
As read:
**12:13**
